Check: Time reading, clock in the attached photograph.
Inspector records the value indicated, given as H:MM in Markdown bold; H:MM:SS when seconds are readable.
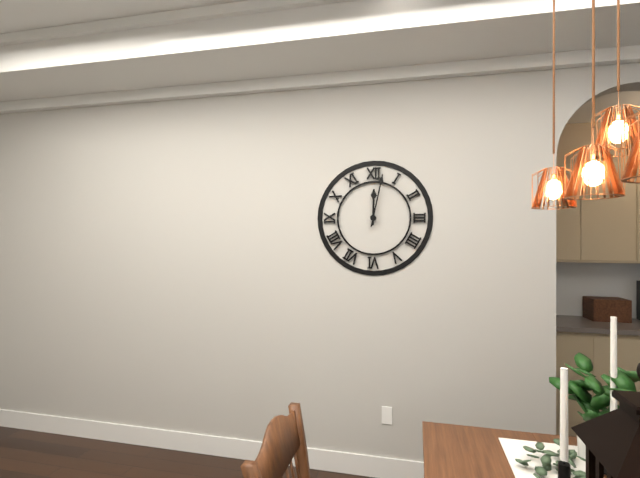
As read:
**12:02**
